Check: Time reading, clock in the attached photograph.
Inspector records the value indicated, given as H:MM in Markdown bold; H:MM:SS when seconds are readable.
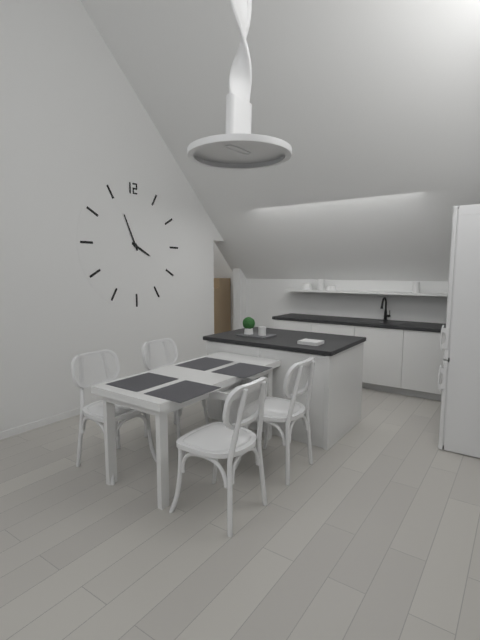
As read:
**3:56**
